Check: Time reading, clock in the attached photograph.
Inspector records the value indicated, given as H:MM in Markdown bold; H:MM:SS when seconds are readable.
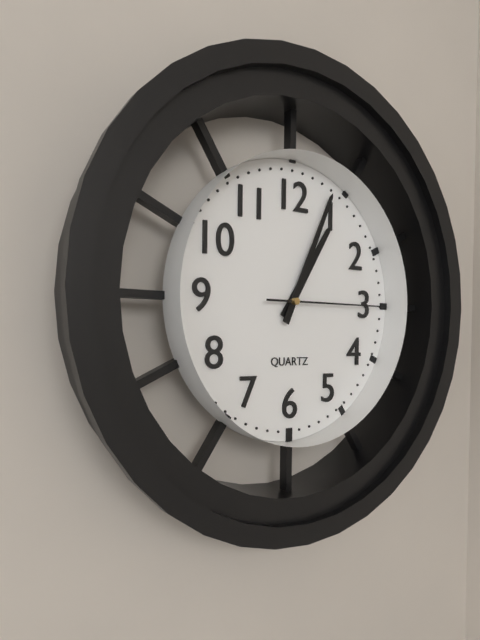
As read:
**1:04:15**
